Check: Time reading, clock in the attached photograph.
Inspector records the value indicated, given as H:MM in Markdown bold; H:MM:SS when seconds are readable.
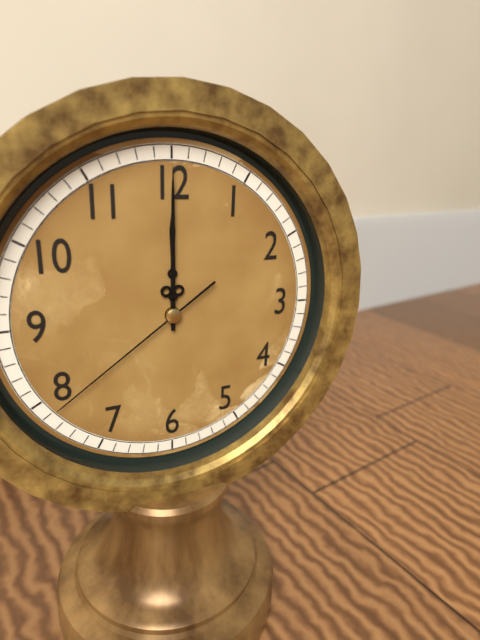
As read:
**12:00:39**
